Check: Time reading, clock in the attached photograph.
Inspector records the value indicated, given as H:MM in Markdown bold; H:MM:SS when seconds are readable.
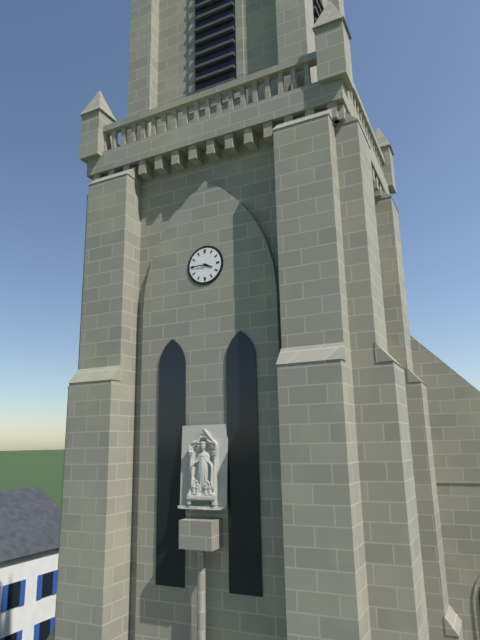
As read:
**3:45**
